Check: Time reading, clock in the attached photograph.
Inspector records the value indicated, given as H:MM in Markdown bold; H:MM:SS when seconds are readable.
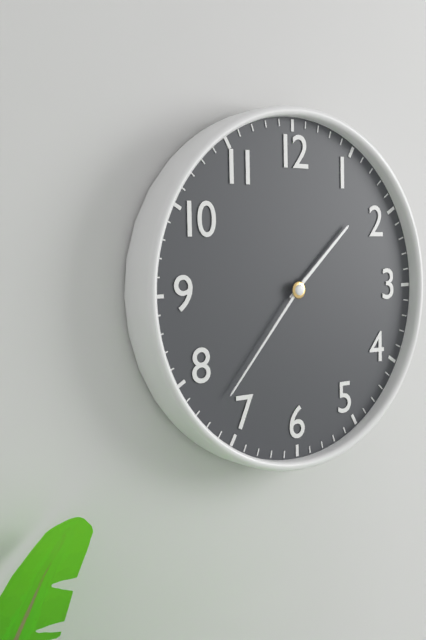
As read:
**1:37**
